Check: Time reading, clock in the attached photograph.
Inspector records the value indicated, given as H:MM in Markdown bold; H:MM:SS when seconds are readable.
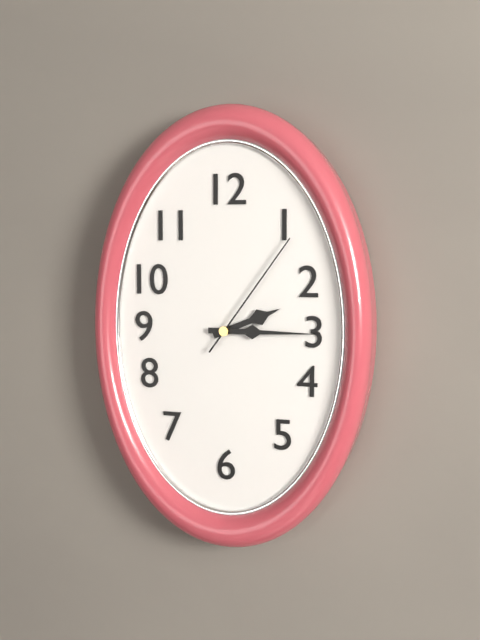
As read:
**2:15:06**
